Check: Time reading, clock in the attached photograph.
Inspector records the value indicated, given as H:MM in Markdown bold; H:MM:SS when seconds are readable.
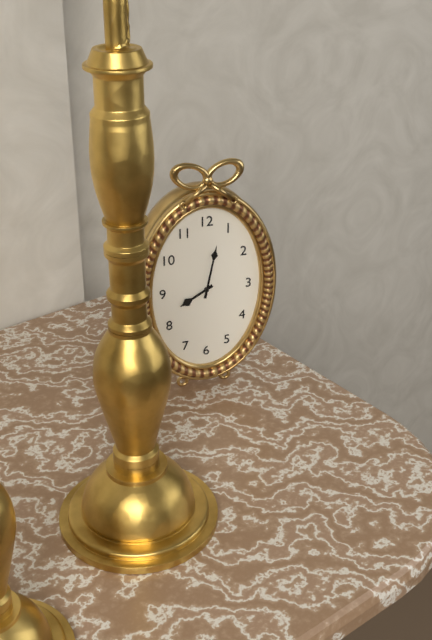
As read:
**8:02**
